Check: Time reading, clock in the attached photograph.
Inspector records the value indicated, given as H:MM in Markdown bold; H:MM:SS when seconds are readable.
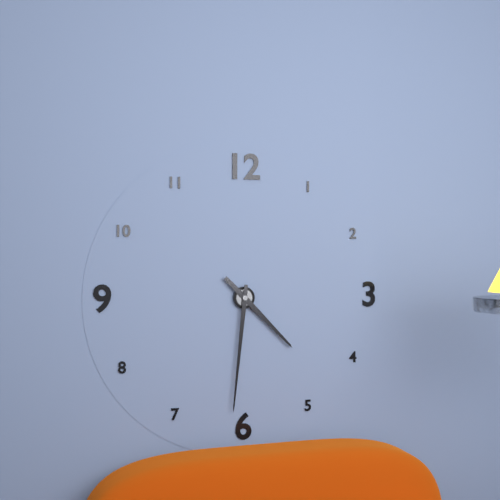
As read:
**4:31**
